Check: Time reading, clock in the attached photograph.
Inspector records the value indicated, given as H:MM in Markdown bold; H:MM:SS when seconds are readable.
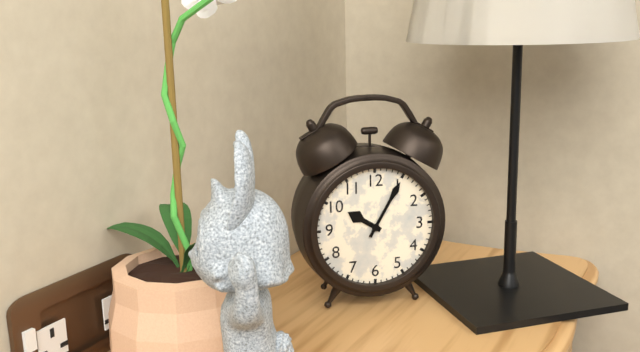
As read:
**10:05**
